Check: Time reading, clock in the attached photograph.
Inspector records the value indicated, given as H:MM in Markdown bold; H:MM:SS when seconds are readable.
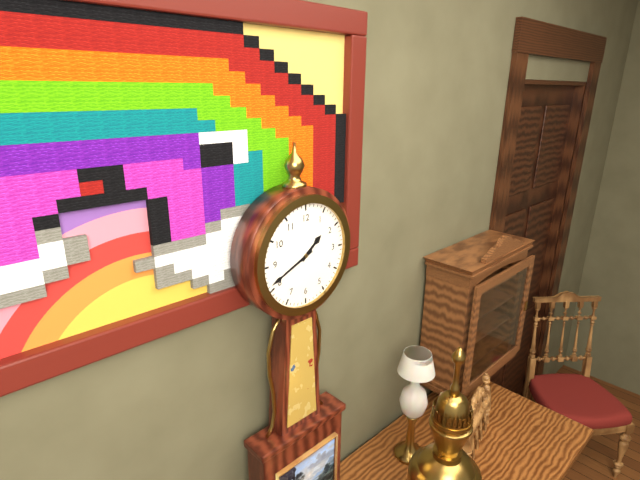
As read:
**1:41**
